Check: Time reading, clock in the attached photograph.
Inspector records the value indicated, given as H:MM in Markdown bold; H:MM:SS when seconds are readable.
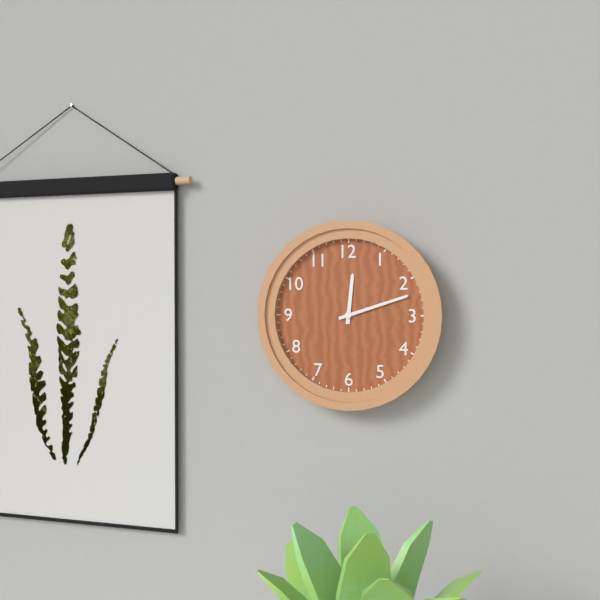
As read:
**12:12**
